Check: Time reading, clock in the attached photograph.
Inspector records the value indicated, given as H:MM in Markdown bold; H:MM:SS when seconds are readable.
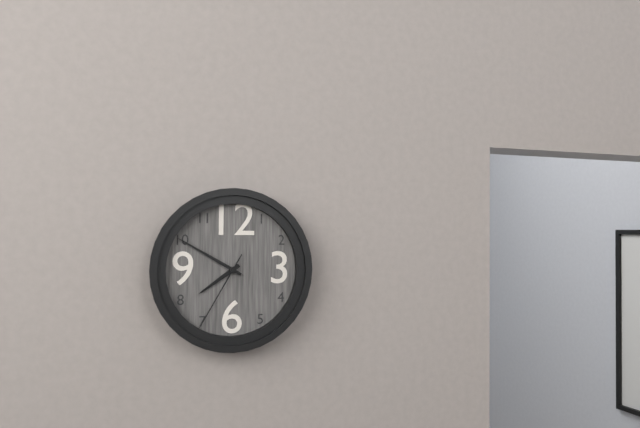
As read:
**7:50:35**
